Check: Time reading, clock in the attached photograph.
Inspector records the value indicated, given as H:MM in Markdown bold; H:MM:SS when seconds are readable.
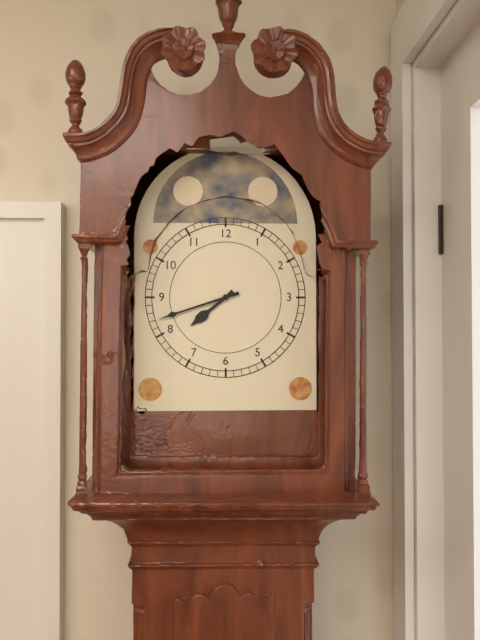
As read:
**7:42**
